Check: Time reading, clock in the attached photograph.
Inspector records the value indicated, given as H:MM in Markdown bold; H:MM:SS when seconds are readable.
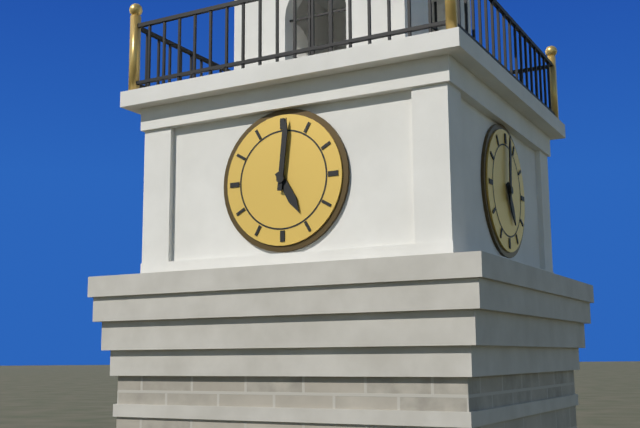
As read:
**5:01**
